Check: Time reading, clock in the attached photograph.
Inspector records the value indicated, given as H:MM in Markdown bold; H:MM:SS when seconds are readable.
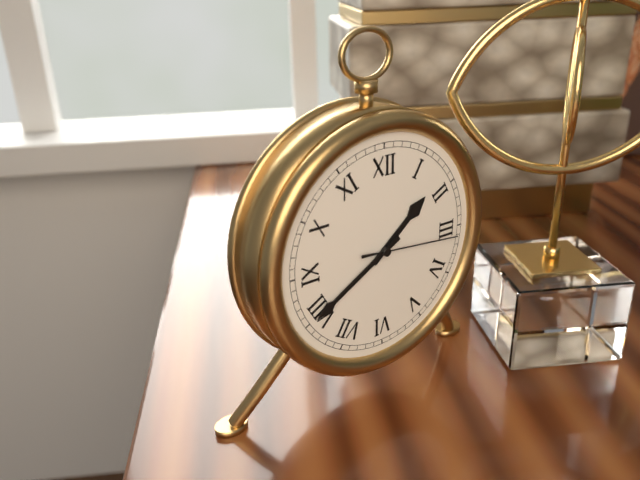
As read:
**1:40:16**
